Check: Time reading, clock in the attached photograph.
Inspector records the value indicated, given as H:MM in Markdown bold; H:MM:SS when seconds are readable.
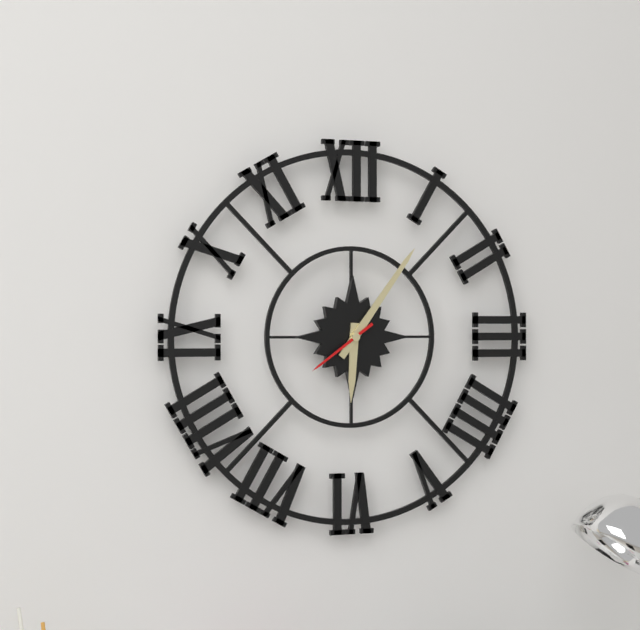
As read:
**6:06:39**
